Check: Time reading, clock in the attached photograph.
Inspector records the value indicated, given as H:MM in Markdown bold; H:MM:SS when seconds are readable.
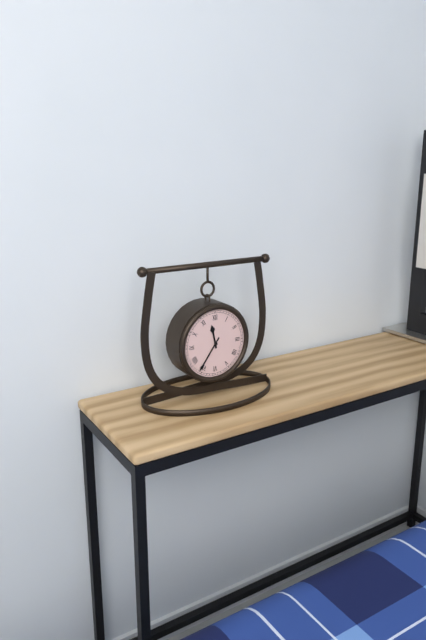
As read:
**11:36**
